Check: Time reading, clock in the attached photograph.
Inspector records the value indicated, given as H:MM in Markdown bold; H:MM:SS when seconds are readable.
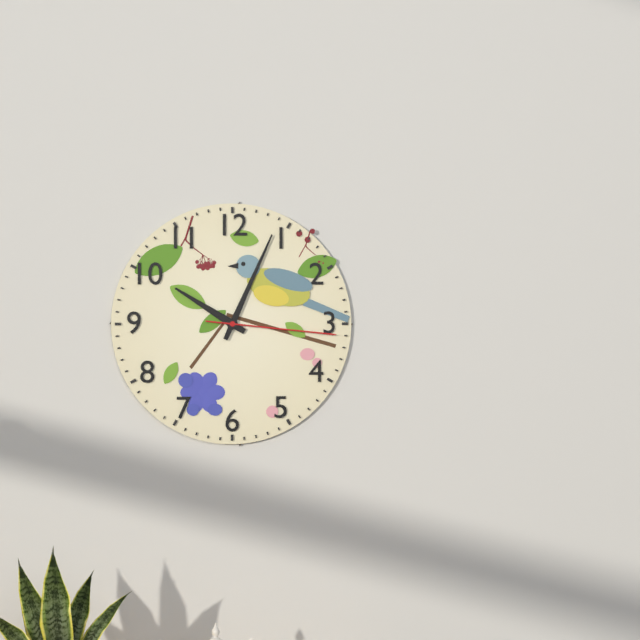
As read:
**10:04:16**
